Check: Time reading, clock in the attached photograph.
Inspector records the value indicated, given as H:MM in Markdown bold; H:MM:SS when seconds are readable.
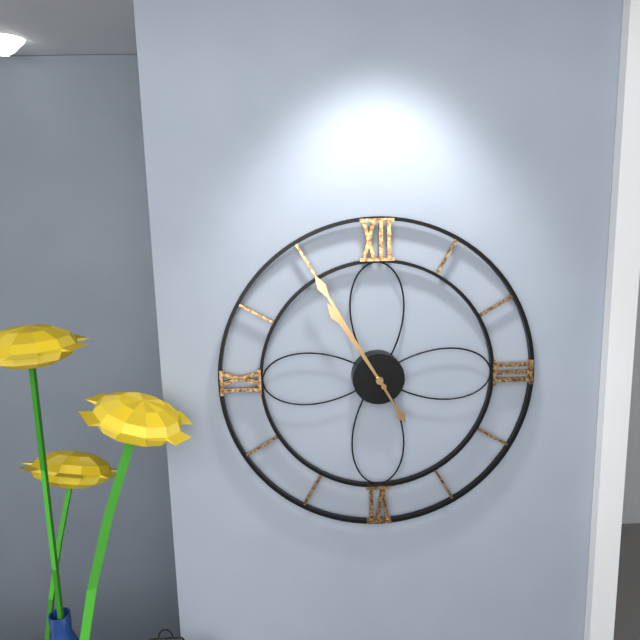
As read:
**10:55**
